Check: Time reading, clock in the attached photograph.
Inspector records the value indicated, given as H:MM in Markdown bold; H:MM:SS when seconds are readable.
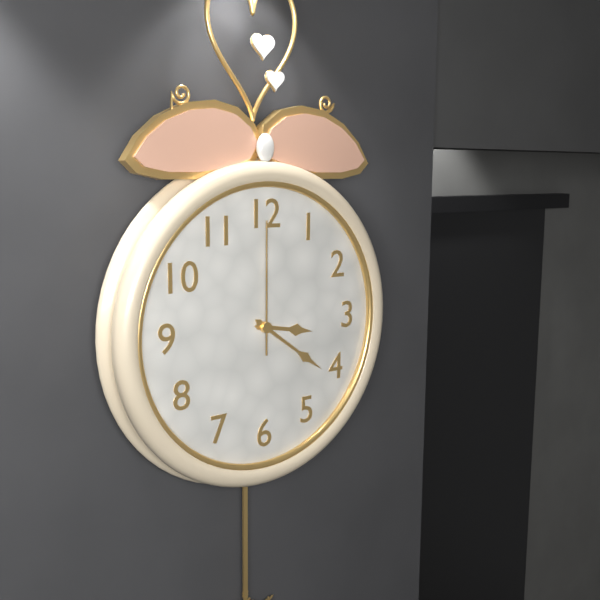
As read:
**3:21:00**
